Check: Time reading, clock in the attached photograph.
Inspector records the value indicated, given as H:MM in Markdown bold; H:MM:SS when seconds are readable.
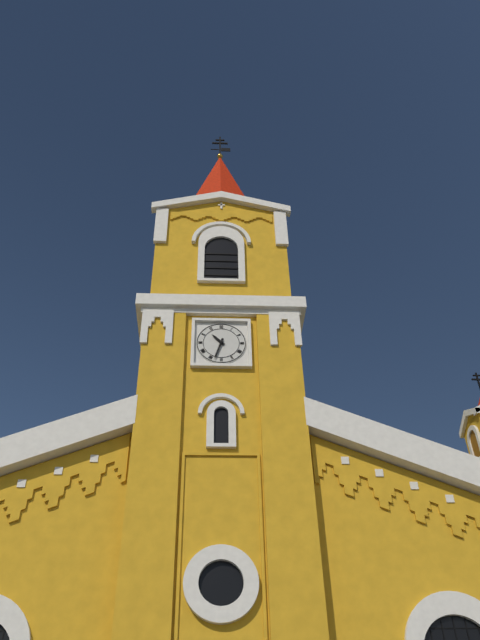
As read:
**10:33**
